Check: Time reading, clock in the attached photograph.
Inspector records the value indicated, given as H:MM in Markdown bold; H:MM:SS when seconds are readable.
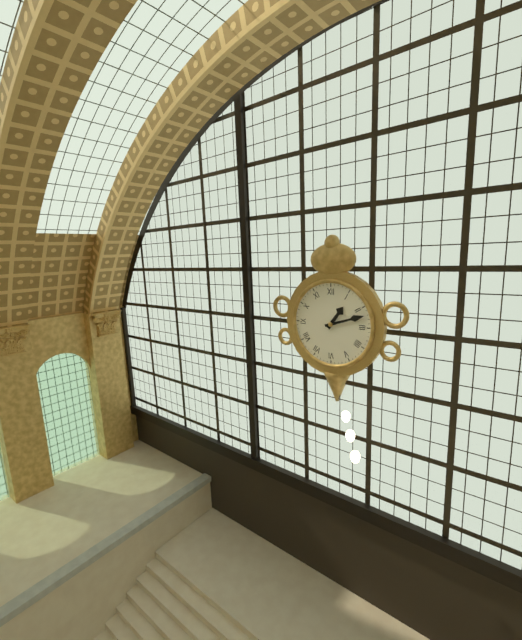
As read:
**1:12**
